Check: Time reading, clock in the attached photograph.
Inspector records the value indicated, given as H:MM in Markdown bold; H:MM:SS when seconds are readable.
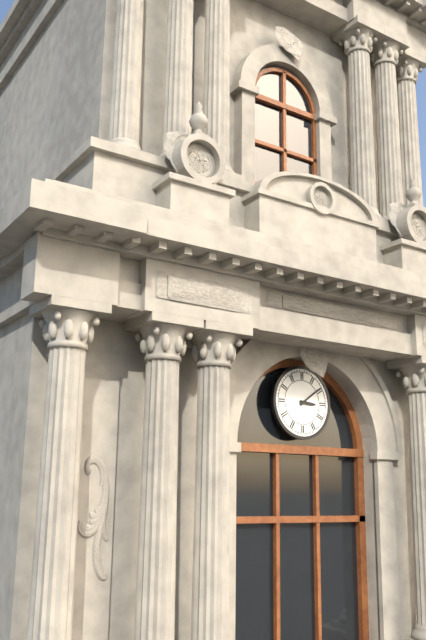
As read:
**3:09**
